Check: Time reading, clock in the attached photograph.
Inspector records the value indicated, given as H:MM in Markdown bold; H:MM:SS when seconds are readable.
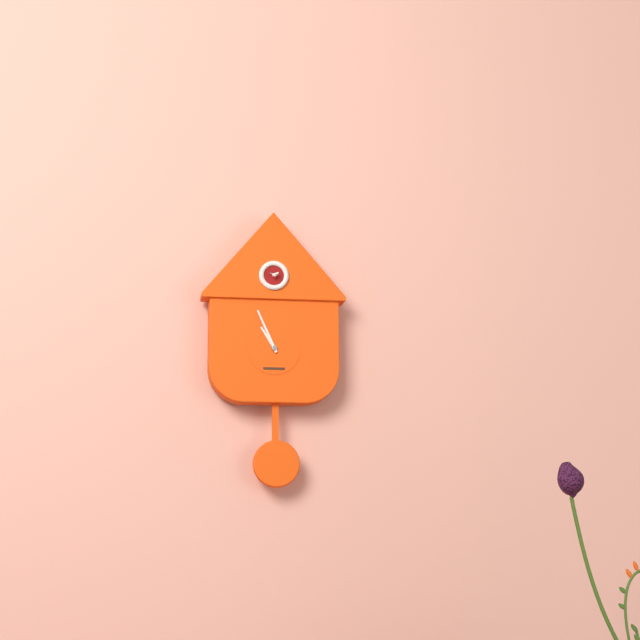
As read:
**10:56**
